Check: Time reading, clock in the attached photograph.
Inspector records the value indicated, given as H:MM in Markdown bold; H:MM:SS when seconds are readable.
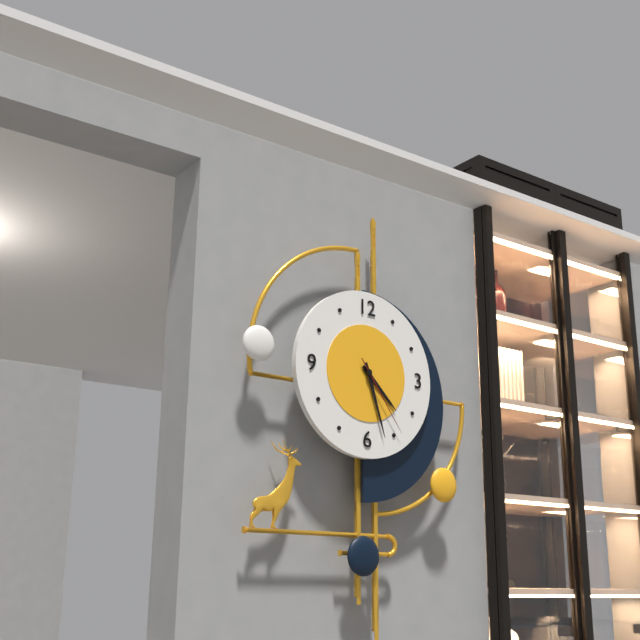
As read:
**4:27:24**
